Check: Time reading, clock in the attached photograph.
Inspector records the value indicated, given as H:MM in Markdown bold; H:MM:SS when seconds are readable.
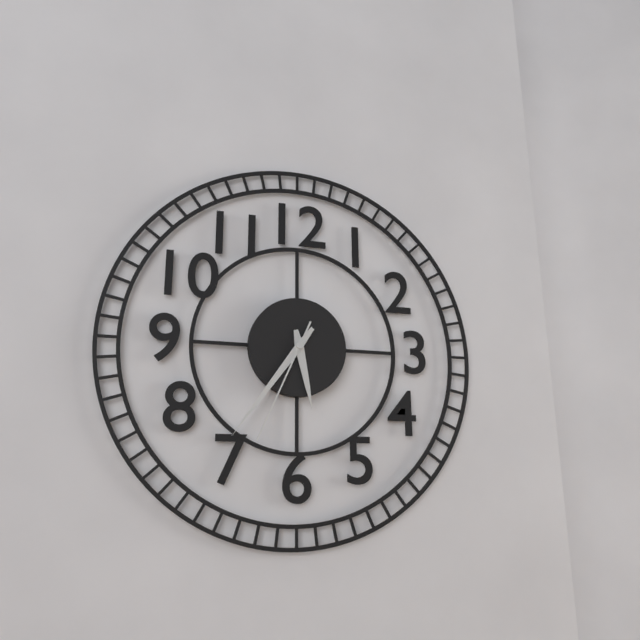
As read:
**5:36:34**
